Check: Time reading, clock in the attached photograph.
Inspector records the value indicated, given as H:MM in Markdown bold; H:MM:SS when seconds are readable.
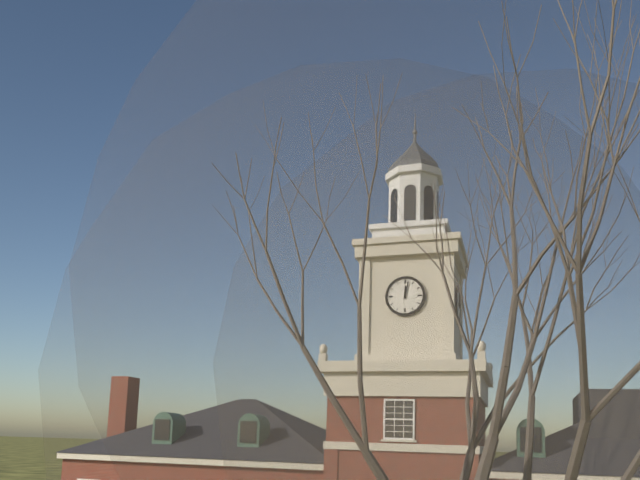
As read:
**12:02**
